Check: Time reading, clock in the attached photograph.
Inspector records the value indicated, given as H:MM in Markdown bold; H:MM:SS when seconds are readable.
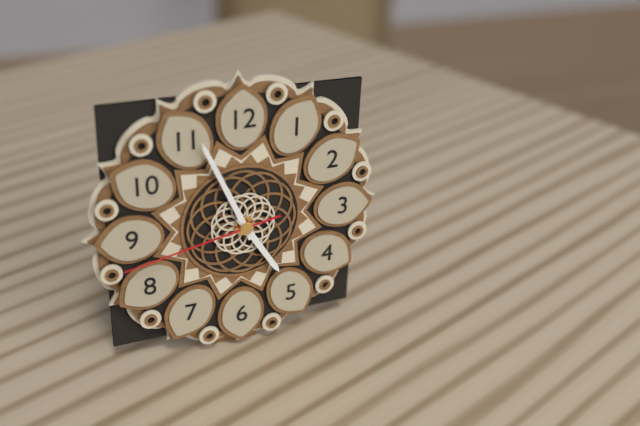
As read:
**4:56:43**
